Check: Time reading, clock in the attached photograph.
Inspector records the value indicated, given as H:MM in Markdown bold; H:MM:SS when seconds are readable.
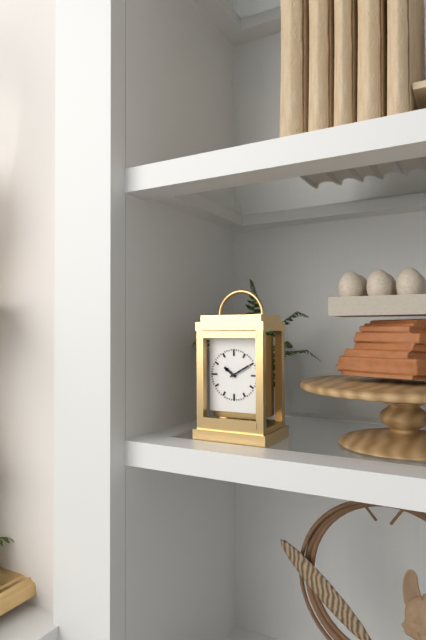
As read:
**10:10**
